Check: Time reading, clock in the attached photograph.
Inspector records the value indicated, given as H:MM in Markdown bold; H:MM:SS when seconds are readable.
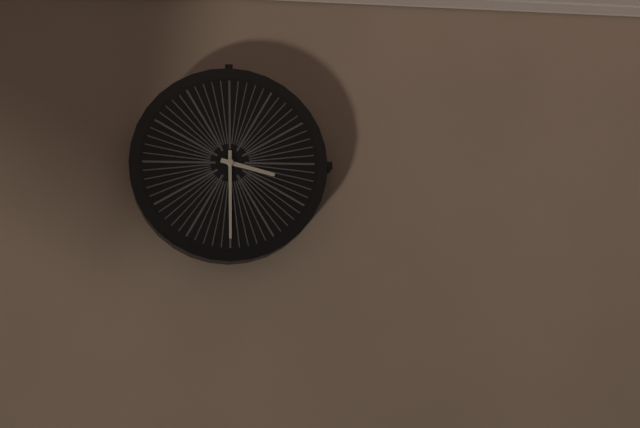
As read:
**3:30**
